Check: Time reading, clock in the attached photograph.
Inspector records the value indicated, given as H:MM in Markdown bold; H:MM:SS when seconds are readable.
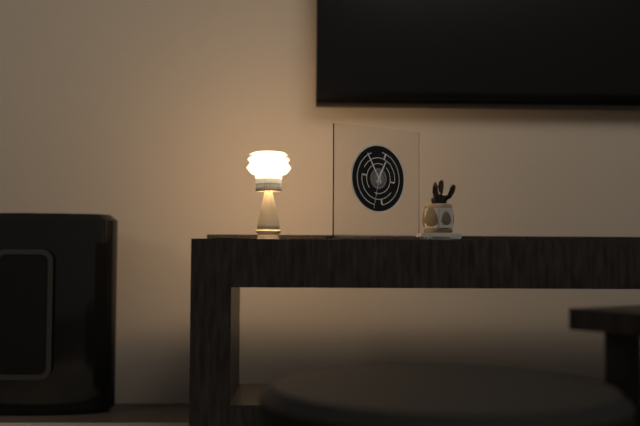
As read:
**12:55**
